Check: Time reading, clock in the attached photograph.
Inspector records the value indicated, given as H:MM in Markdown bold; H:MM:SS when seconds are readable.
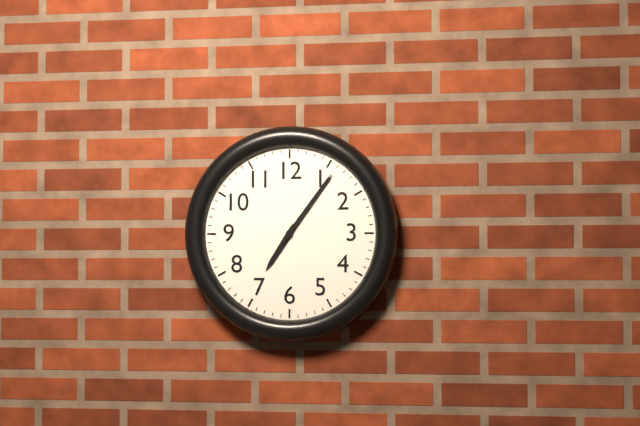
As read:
**7:06**
